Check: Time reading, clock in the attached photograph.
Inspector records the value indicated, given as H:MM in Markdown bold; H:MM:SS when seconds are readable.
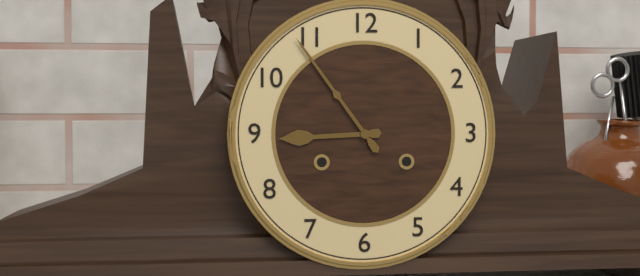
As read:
**8:54**
